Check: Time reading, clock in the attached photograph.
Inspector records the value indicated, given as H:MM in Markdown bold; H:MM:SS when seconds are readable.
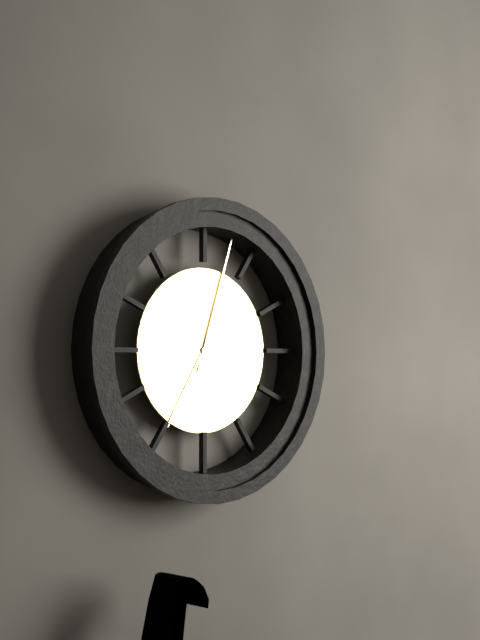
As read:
**7:03**
